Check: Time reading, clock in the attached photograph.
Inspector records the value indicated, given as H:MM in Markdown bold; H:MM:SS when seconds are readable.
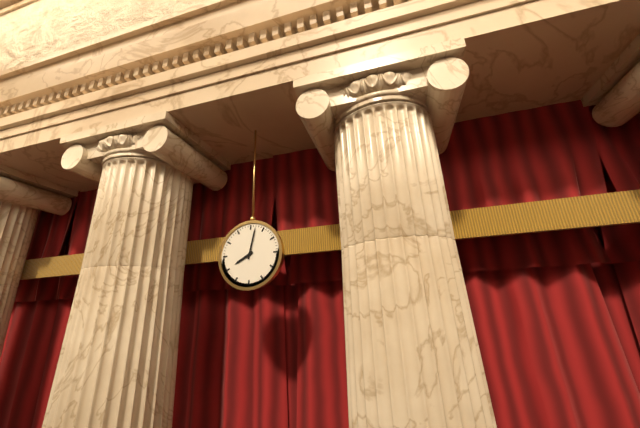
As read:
**8:02**
